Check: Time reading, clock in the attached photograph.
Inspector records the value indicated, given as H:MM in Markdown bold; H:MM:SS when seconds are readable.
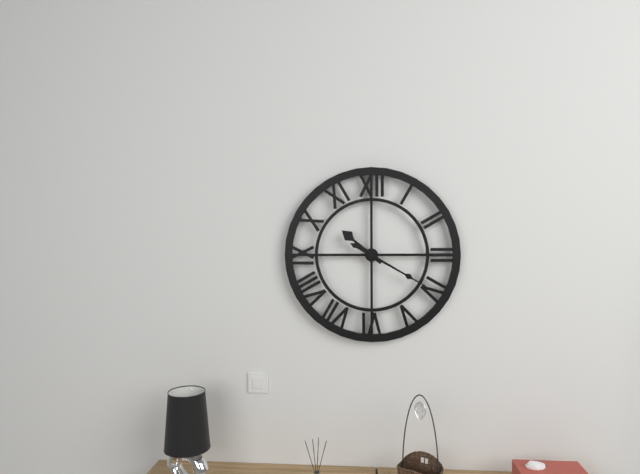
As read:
**10:20**
